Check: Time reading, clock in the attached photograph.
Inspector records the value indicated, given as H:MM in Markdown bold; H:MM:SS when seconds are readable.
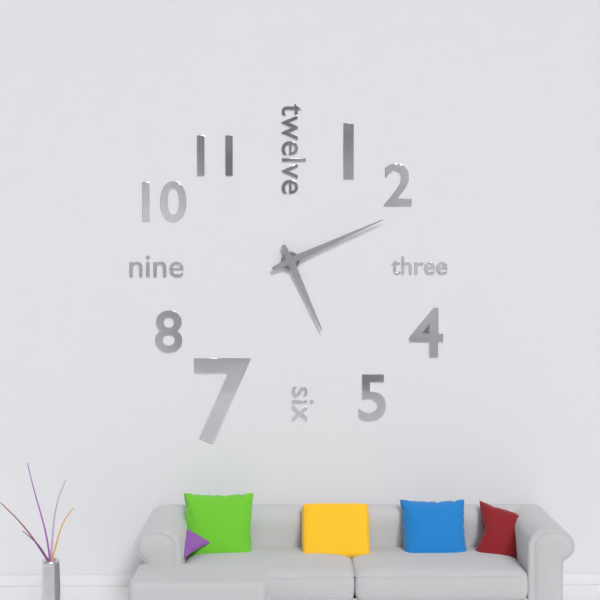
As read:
**5:11**
